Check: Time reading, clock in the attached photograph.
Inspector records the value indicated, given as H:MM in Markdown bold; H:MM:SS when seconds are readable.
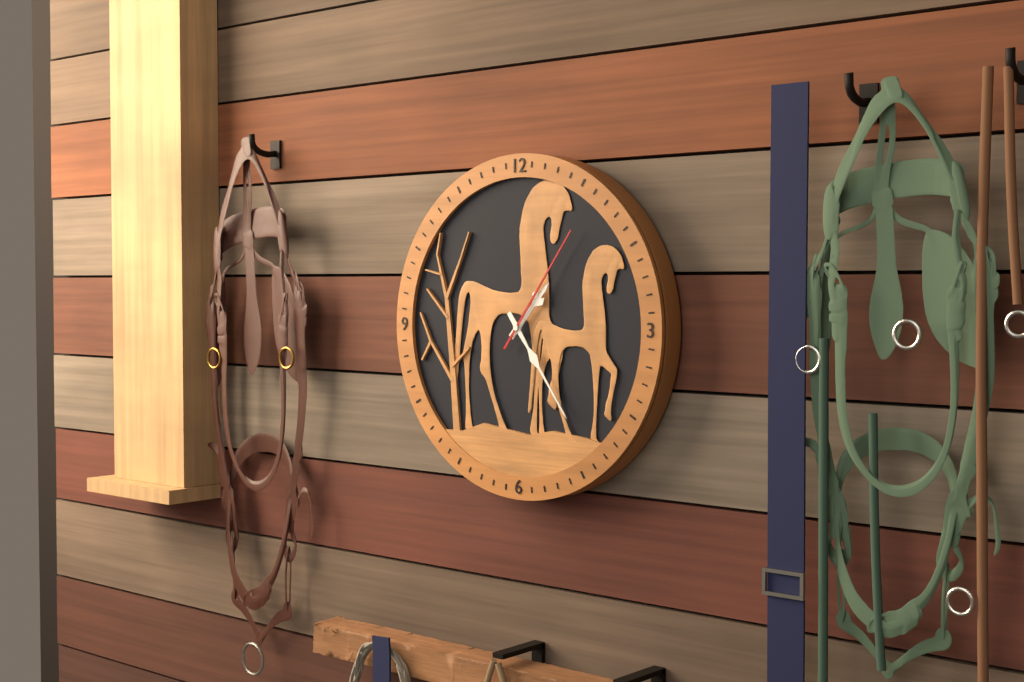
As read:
**1:24:06**
